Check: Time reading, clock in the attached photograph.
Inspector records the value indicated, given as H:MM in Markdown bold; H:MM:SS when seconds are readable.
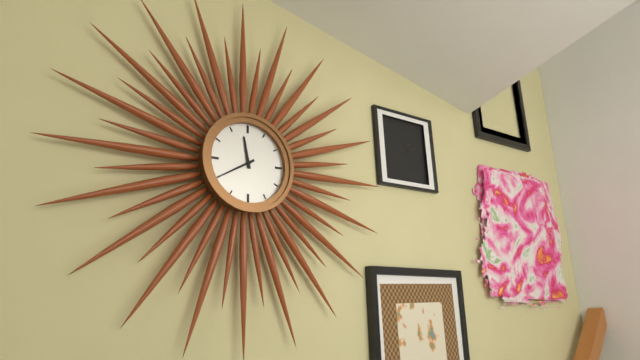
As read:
**11:40**
